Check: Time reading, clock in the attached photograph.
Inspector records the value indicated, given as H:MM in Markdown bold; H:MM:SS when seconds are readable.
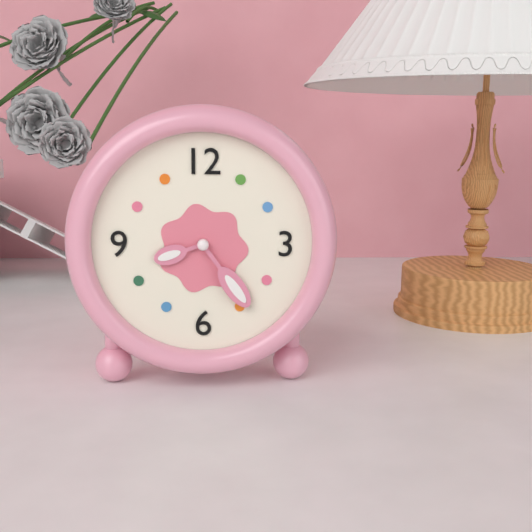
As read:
**8:24**
